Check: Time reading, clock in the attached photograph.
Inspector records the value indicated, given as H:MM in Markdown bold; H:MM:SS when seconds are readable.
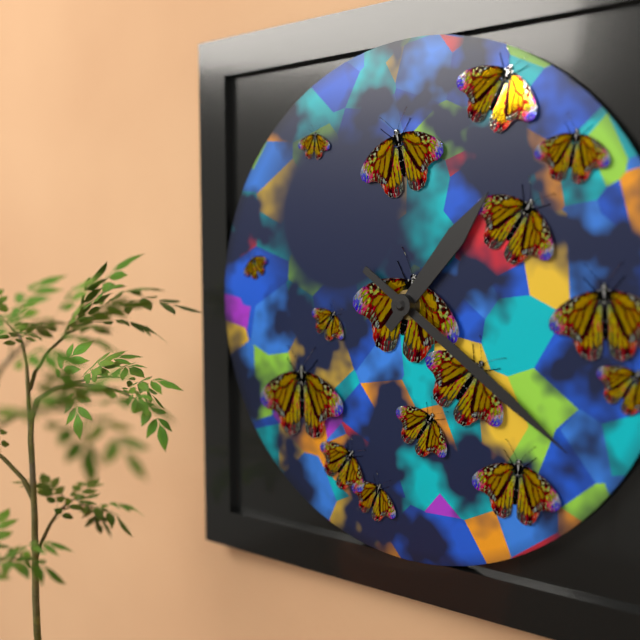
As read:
**1:21**
